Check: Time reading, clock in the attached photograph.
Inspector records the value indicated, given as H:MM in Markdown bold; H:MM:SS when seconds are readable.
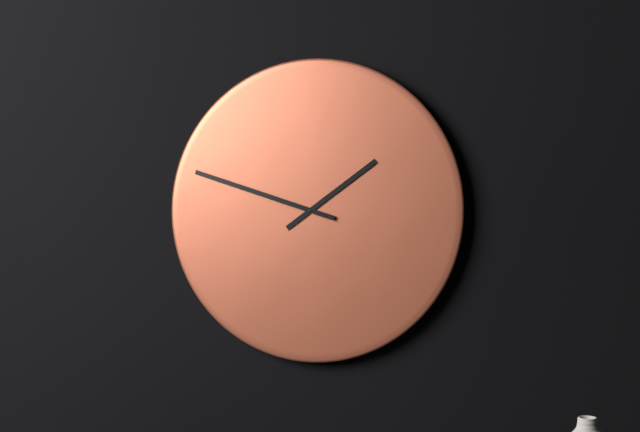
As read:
**1:48**
